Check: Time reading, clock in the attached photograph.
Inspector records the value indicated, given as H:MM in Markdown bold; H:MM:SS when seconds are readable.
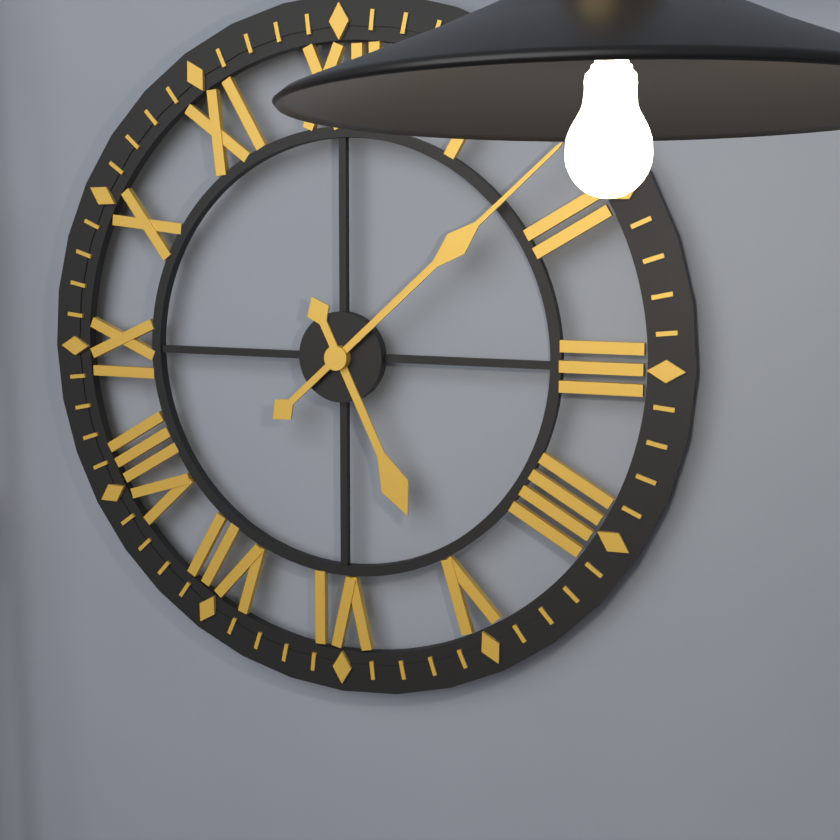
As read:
**5:08**
